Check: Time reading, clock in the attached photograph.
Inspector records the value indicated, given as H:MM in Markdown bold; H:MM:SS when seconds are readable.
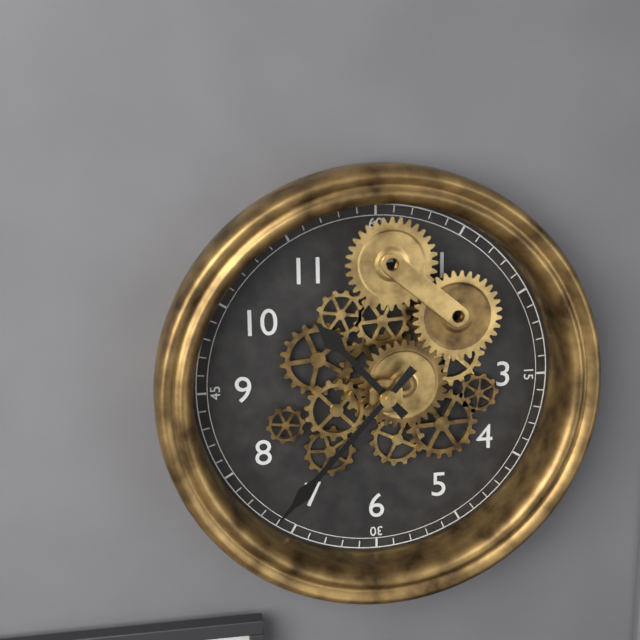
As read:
**10:37**
